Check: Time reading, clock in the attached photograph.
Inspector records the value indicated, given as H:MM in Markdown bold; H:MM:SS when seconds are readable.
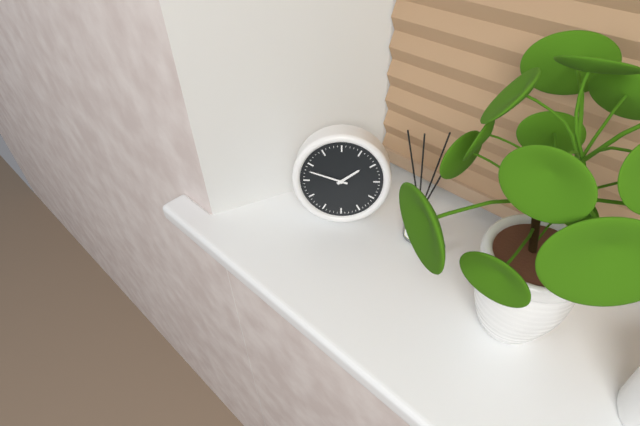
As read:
**1:48**
